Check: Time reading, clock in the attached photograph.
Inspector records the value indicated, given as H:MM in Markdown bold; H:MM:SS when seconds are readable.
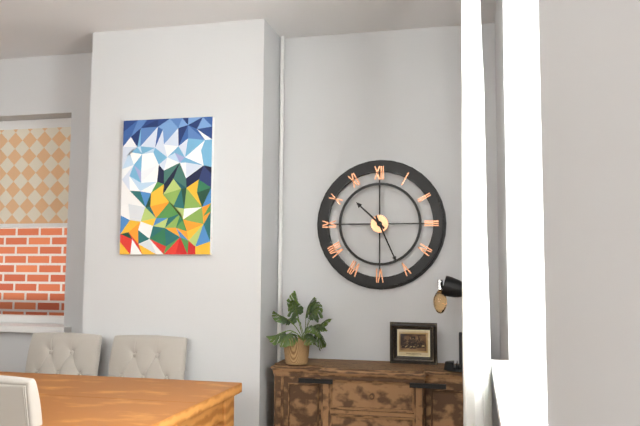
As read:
**10:26**
